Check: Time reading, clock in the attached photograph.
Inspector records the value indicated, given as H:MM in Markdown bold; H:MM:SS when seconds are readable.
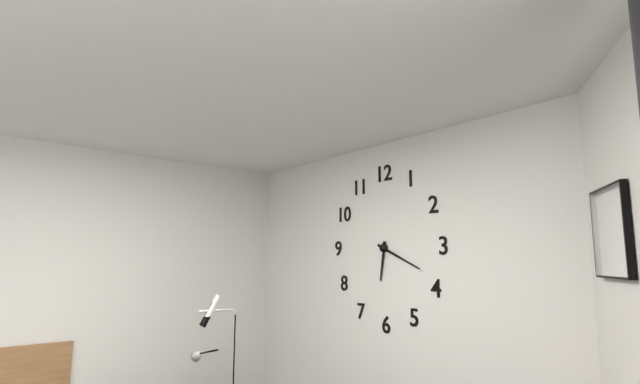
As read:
**6:19**
